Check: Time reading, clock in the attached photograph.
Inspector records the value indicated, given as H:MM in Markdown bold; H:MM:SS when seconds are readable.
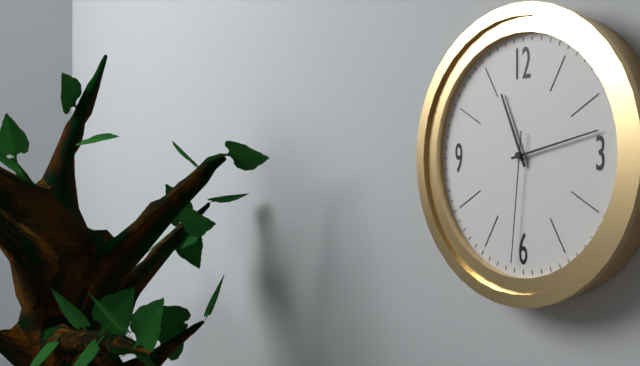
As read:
**11:13:31**
